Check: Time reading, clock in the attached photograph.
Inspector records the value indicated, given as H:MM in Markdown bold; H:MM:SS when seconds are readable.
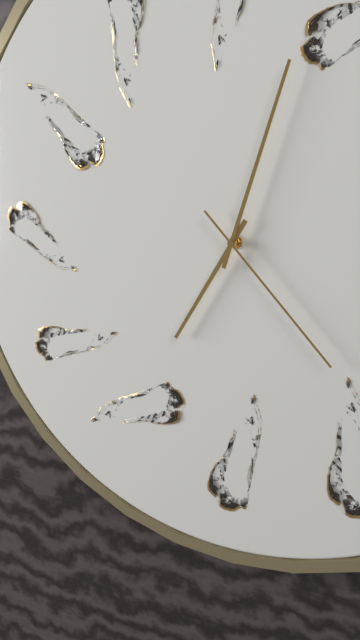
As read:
**7:03:23**
